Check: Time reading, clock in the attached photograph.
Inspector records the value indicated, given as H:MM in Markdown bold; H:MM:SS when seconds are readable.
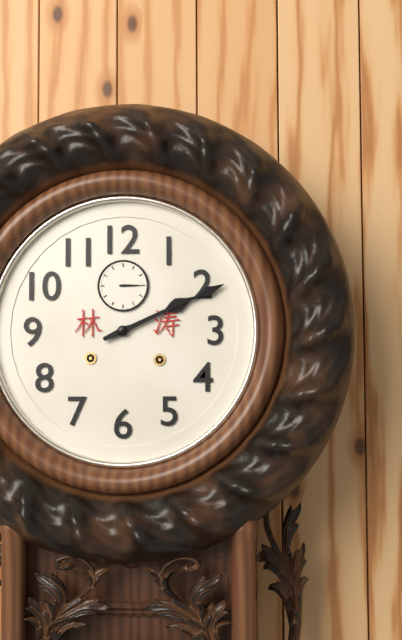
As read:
**2:11**
